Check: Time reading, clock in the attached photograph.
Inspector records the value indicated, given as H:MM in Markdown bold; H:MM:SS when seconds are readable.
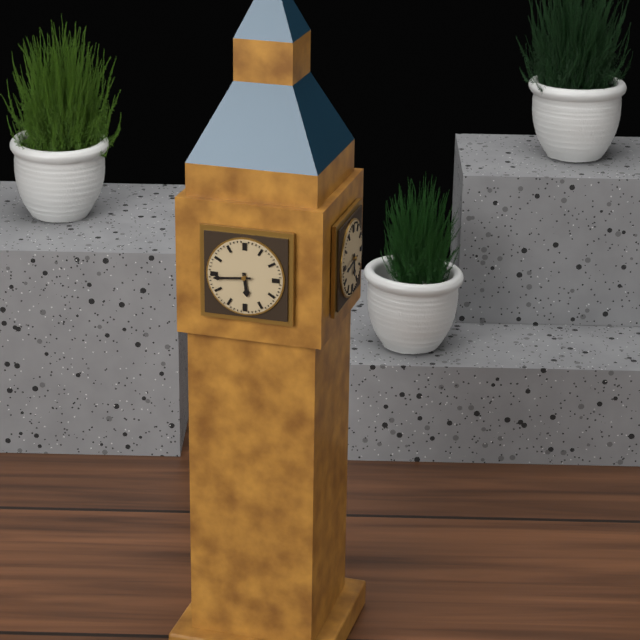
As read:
**5:44**
